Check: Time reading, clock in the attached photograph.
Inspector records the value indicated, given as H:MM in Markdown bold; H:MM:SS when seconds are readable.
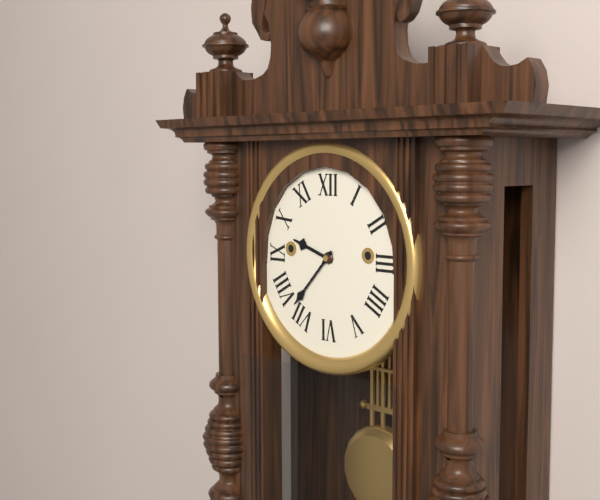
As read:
**9:37**
